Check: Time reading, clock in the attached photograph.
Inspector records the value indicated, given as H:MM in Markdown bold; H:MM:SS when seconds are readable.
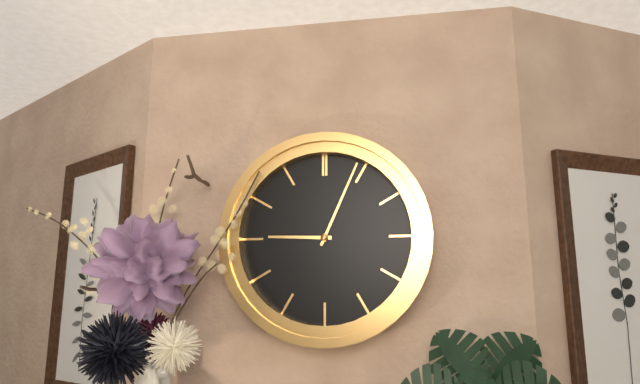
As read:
**9:04**
